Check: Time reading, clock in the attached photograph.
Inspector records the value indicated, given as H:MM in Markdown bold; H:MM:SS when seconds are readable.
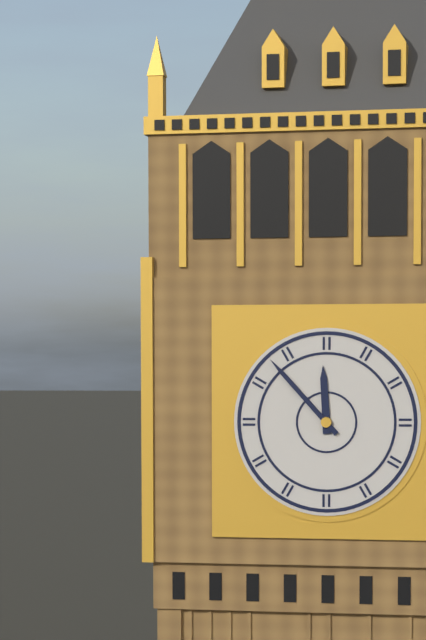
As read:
**11:53**
